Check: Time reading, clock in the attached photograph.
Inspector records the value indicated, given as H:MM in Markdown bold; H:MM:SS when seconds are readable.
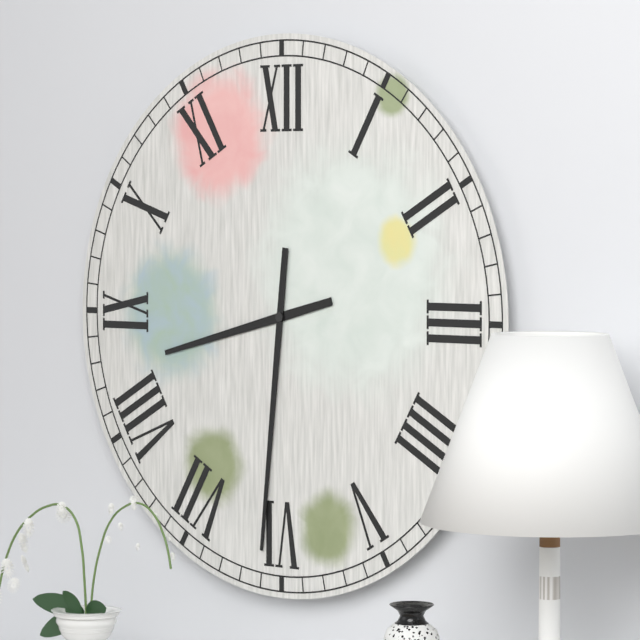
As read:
**8:31**
